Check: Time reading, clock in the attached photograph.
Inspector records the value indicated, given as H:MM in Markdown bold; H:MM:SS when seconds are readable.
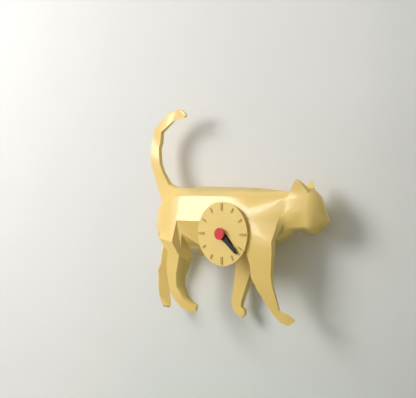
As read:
**4:22**
